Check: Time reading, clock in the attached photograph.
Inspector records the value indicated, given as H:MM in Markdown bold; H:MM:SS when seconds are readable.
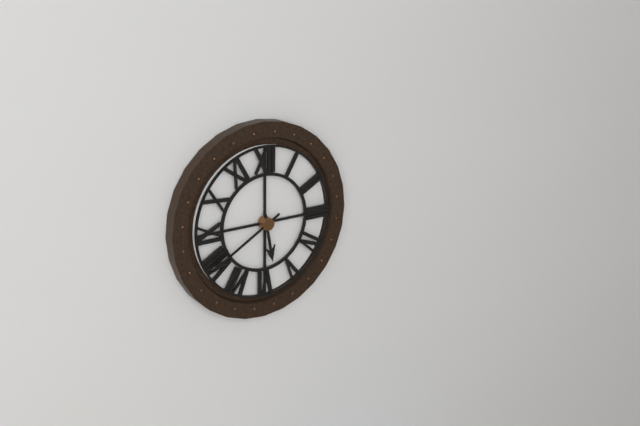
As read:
**5:40**
